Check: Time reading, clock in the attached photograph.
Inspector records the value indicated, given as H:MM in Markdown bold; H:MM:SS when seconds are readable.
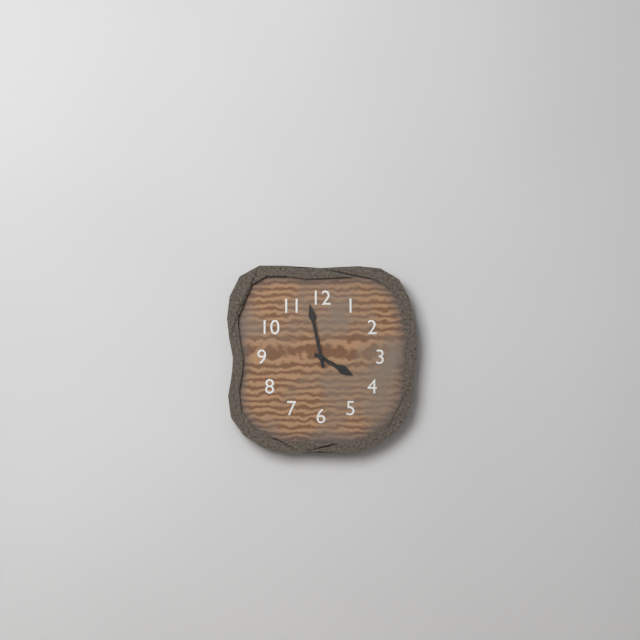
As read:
**3:58**
